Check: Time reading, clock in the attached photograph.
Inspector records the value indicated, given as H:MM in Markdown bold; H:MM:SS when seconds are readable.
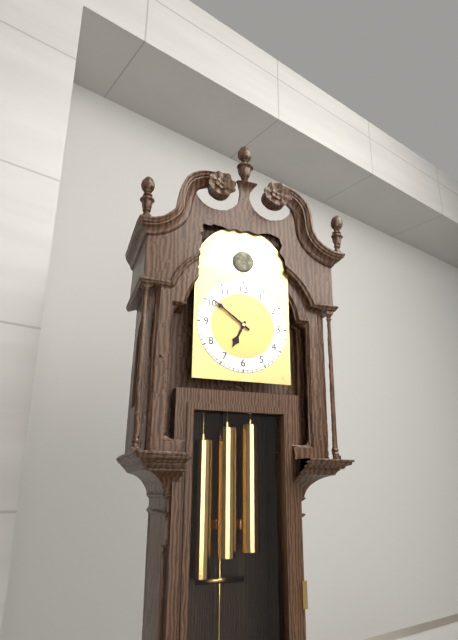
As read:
**6:51**
